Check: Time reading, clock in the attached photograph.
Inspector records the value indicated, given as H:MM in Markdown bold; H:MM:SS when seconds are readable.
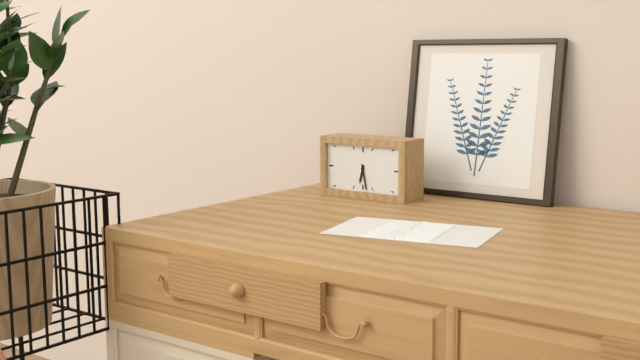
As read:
**6:28**
